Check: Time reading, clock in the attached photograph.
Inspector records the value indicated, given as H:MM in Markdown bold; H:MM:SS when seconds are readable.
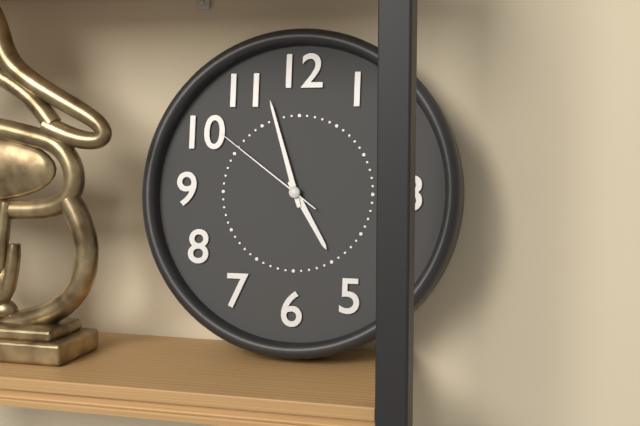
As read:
**4:57:51**
